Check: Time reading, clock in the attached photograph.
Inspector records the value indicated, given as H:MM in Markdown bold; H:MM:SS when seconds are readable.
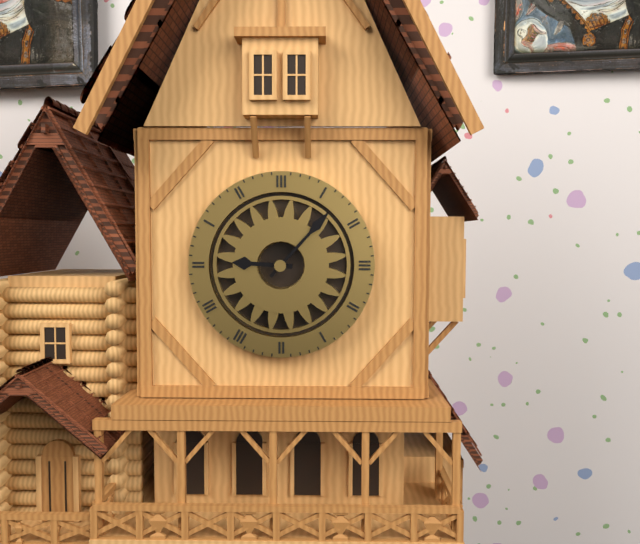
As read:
**9:07**
